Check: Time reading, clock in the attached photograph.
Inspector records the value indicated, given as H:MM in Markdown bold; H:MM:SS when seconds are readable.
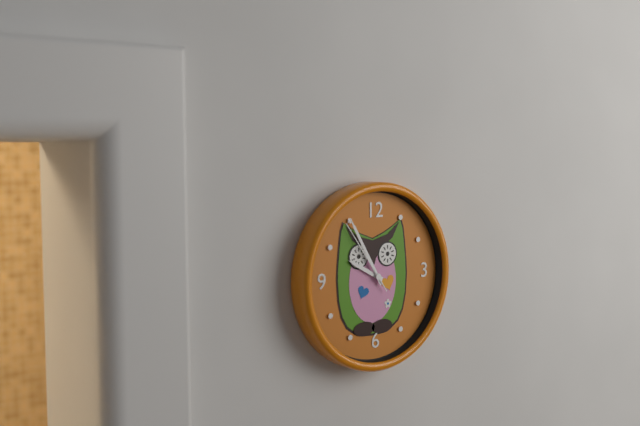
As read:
**9:55:54**
